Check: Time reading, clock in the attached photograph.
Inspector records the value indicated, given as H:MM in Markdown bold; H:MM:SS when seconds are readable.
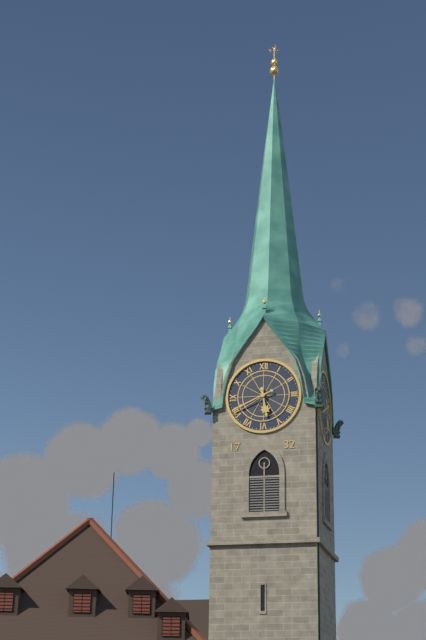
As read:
**5:41**
